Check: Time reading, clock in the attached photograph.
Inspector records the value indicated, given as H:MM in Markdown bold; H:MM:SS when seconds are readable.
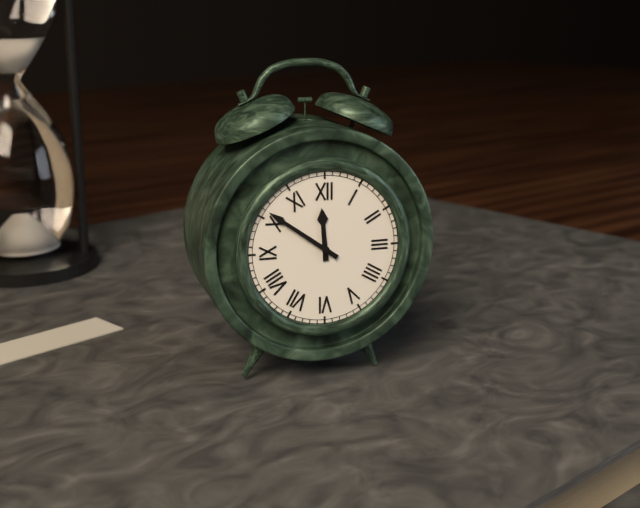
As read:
**11:51**
